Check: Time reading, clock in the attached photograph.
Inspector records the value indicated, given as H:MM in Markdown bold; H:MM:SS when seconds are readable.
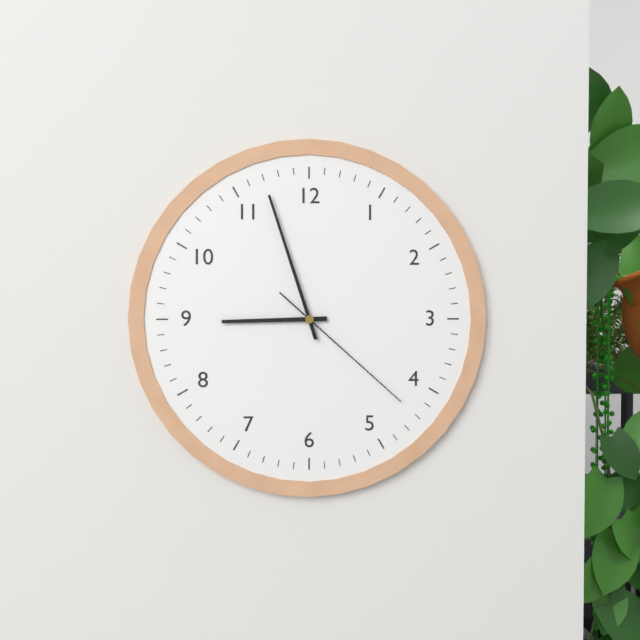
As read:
**8:57:22**
